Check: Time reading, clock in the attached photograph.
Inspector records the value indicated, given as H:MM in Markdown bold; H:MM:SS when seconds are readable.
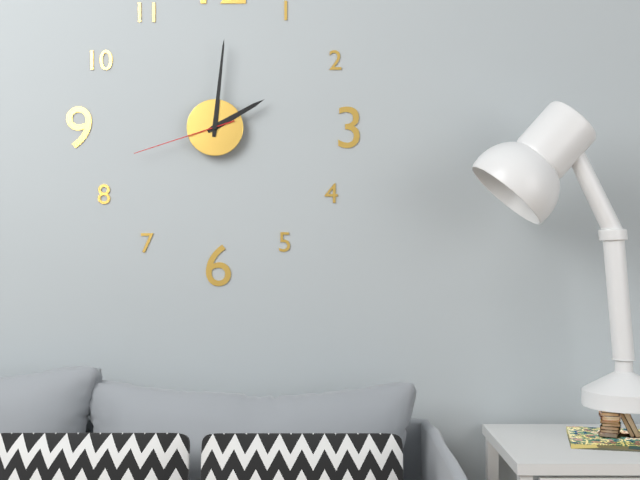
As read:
**2:01:42**
